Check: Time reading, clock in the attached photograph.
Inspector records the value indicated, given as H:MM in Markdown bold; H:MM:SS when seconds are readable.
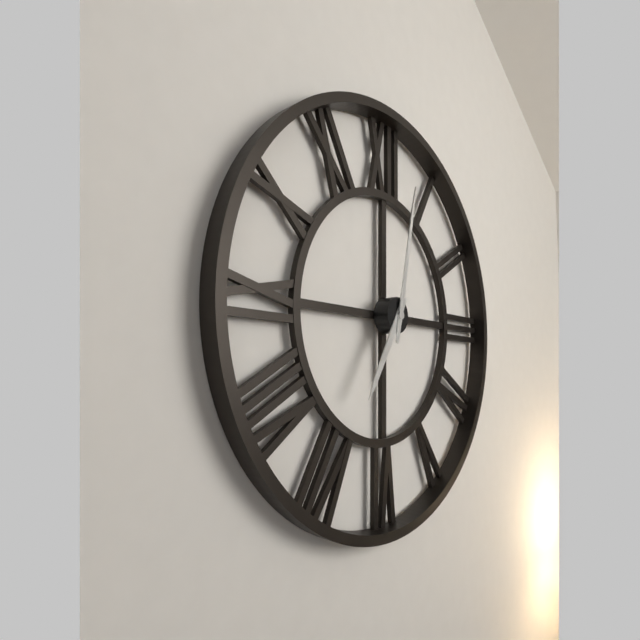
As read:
**7:02**
